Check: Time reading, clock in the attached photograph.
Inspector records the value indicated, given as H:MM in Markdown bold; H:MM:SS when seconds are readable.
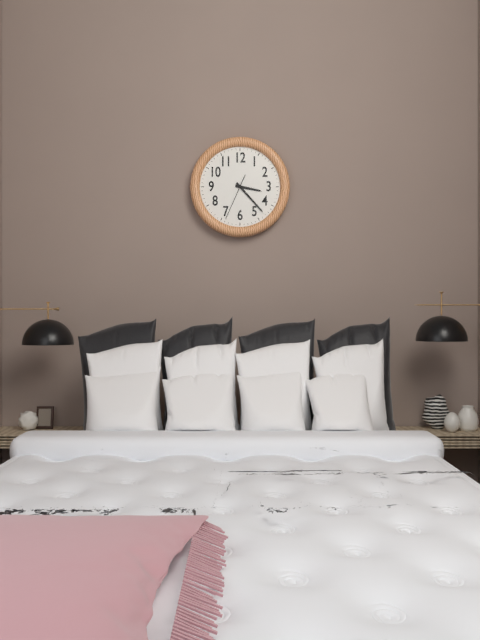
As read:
**3:23**
